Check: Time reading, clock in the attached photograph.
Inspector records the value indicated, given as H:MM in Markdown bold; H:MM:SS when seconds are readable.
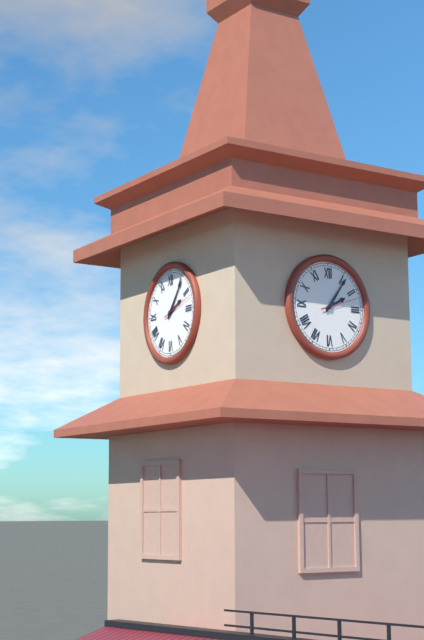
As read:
**2:06**
